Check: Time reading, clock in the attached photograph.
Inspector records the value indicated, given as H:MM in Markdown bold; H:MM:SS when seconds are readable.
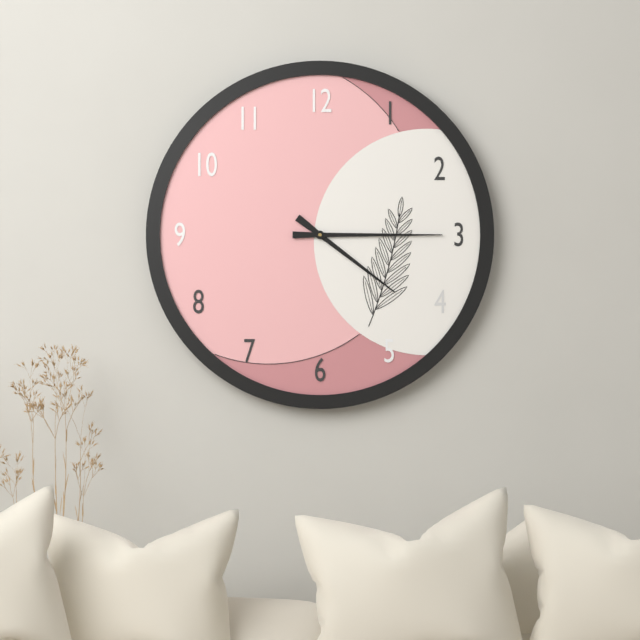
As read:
**4:15**
